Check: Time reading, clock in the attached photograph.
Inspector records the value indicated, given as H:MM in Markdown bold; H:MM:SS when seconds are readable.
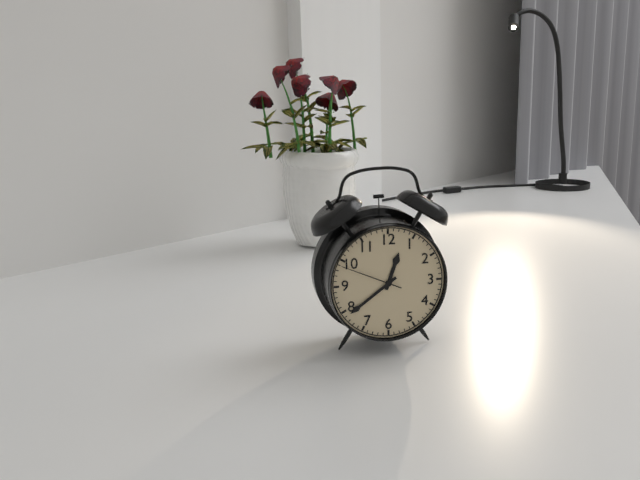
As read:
**12:39:49**
